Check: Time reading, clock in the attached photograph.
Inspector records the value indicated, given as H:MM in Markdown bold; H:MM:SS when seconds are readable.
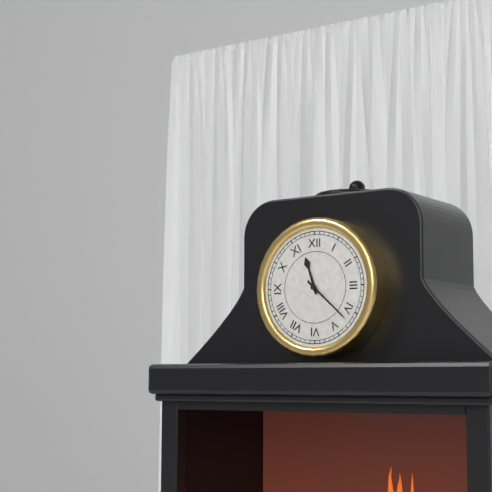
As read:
**11:22**
